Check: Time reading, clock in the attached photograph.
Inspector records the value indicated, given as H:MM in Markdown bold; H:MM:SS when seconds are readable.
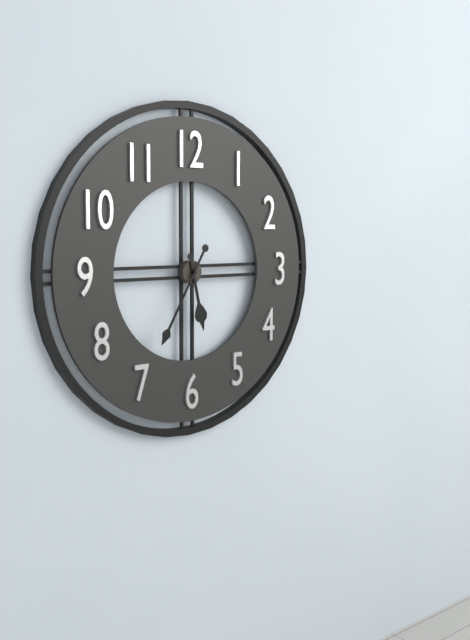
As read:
**5:35**
